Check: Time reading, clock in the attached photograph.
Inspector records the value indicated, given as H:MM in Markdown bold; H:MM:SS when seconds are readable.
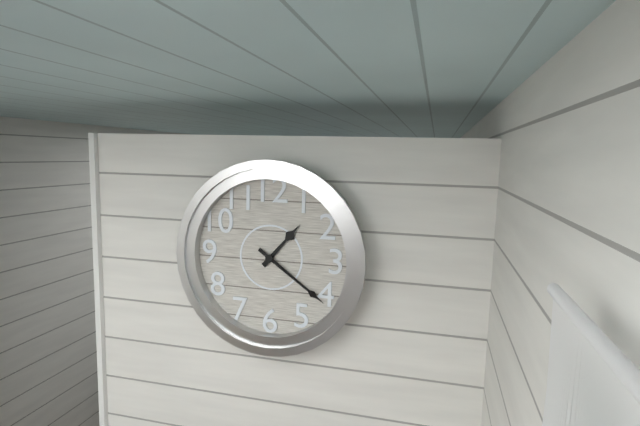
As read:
**1:21**
